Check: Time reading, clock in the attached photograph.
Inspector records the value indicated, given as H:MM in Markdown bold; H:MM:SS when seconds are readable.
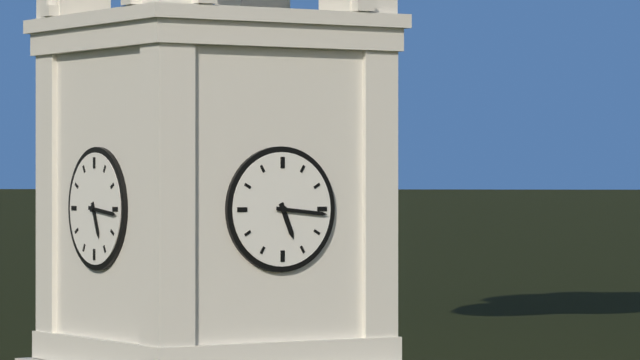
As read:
**5:16**
